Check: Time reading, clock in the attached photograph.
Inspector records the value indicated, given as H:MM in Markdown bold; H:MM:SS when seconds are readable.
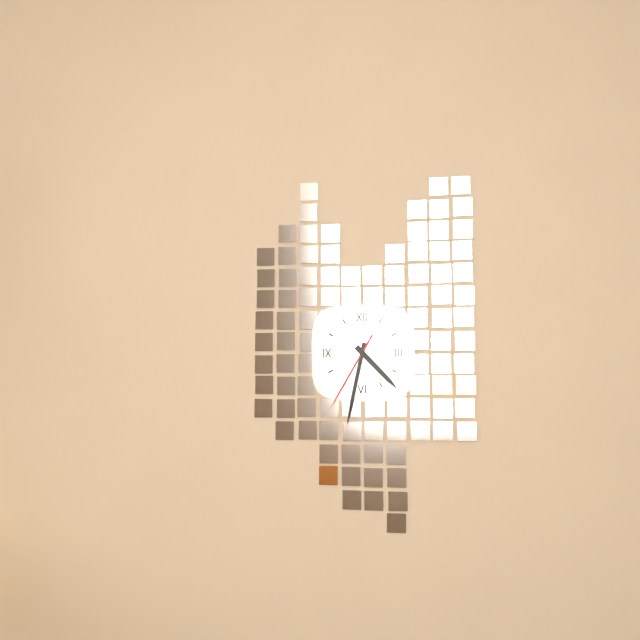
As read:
**4:32:35**
